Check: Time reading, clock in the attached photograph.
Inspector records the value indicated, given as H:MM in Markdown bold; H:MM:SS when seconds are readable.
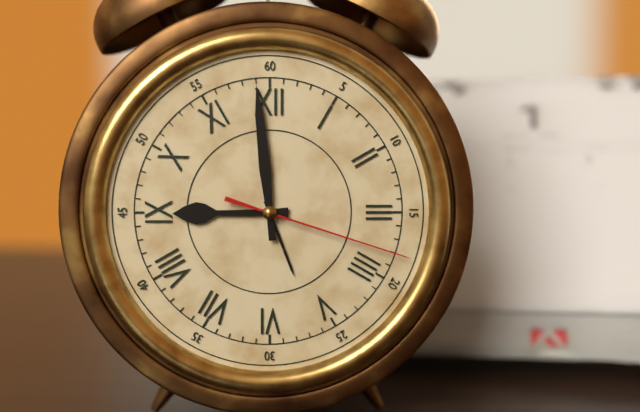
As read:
**8:59:18**
